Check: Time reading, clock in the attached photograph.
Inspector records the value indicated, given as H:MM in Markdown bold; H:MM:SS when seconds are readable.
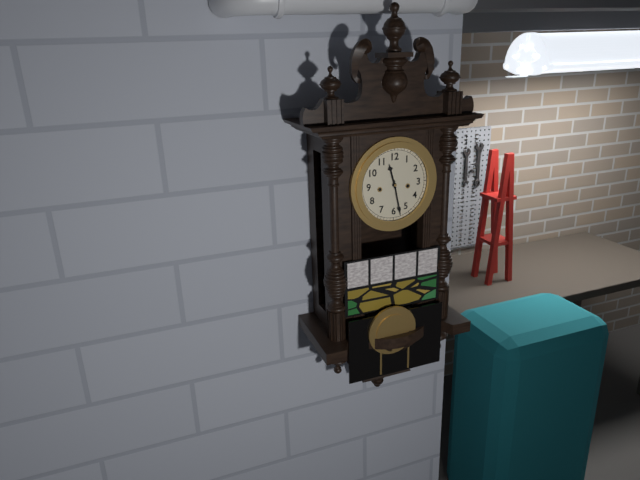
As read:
**11:28**
